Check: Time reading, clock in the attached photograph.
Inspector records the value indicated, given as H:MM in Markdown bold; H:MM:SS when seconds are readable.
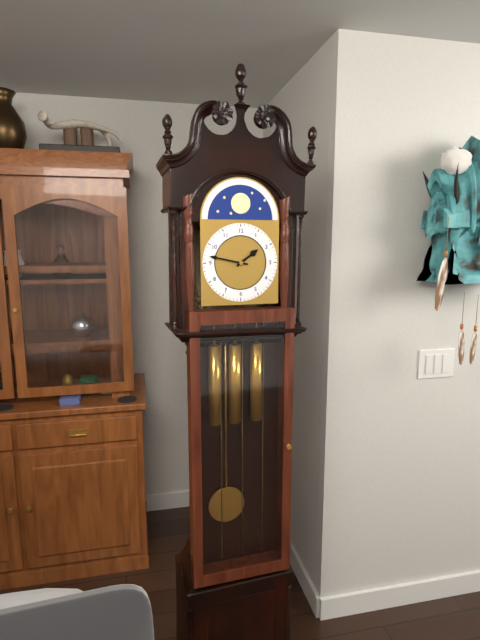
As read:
**1:47**
